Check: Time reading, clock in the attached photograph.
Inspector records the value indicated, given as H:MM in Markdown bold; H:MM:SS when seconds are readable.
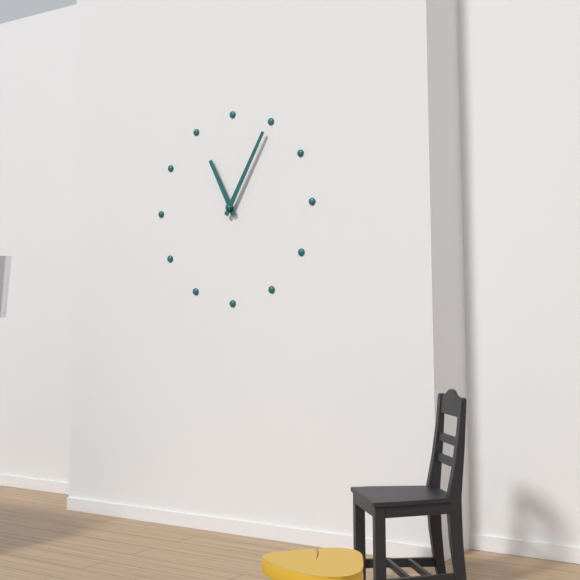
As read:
**11:05**
